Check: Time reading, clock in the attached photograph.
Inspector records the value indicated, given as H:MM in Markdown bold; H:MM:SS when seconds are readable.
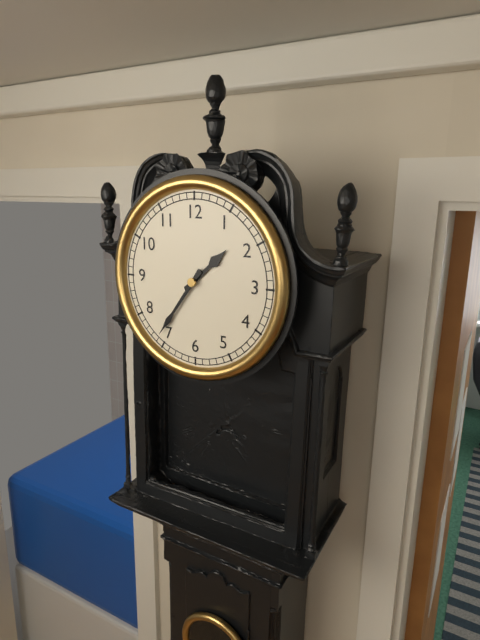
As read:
**1:36**
